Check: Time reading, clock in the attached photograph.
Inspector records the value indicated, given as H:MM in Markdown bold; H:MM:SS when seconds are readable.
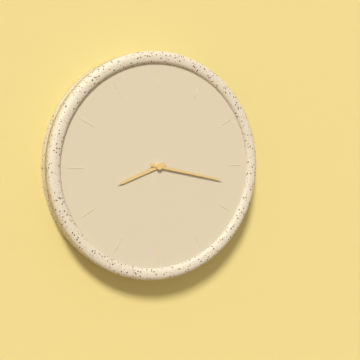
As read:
**8:17**
